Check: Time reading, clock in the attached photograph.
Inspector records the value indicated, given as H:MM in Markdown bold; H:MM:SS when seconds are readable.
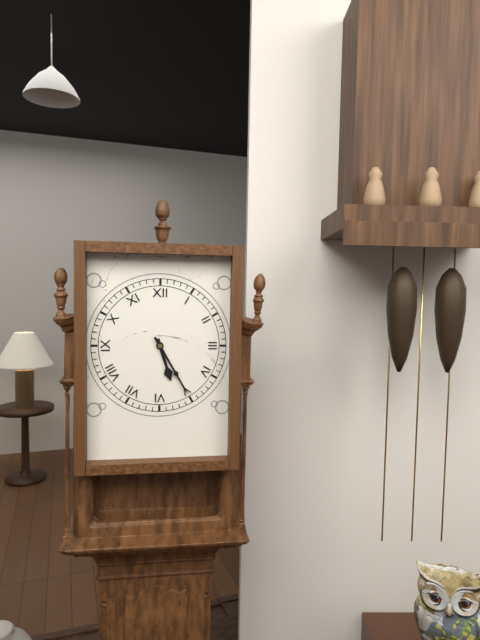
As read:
**5:25**
